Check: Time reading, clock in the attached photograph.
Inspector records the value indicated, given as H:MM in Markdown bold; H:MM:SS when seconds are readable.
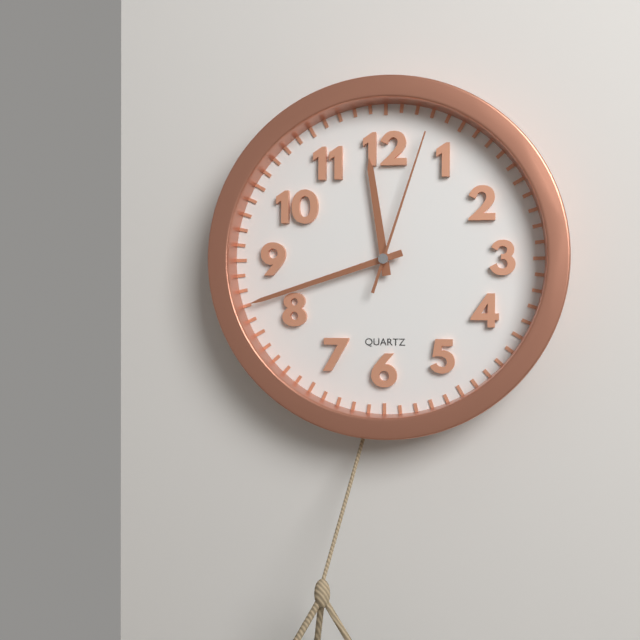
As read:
**11:42:03**
